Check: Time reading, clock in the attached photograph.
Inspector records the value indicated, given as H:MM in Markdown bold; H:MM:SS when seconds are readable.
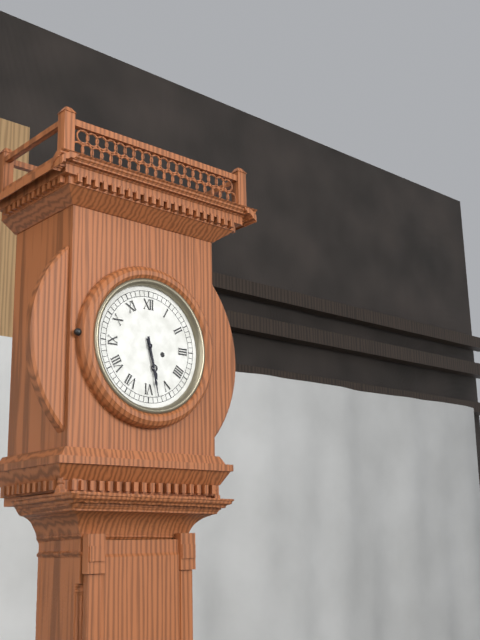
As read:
**5:28**
